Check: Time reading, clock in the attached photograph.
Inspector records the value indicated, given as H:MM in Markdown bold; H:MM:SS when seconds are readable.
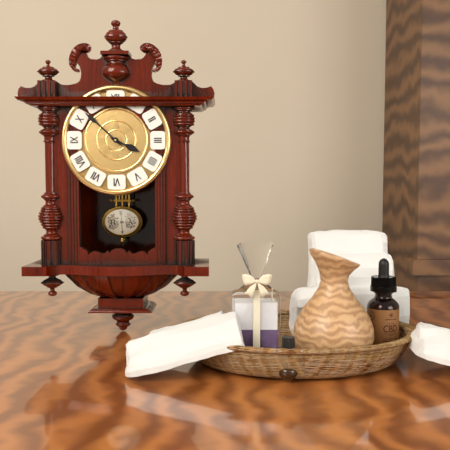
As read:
**3:52**
